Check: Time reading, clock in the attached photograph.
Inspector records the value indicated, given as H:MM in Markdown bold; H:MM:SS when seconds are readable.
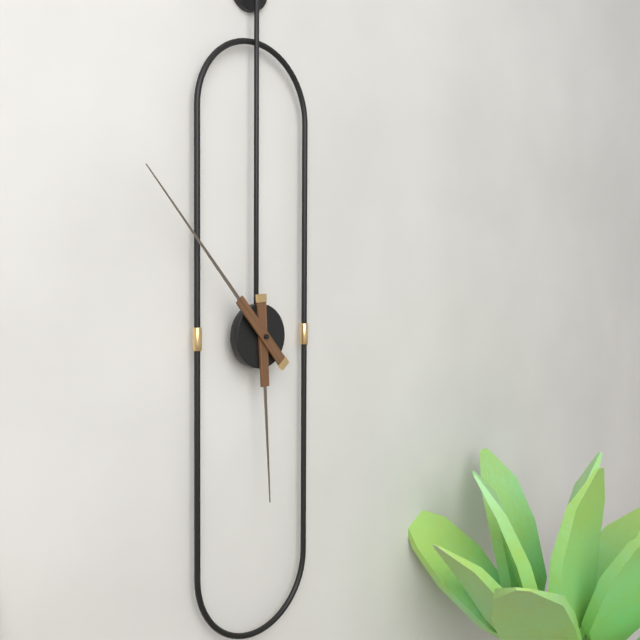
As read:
**5:53**
